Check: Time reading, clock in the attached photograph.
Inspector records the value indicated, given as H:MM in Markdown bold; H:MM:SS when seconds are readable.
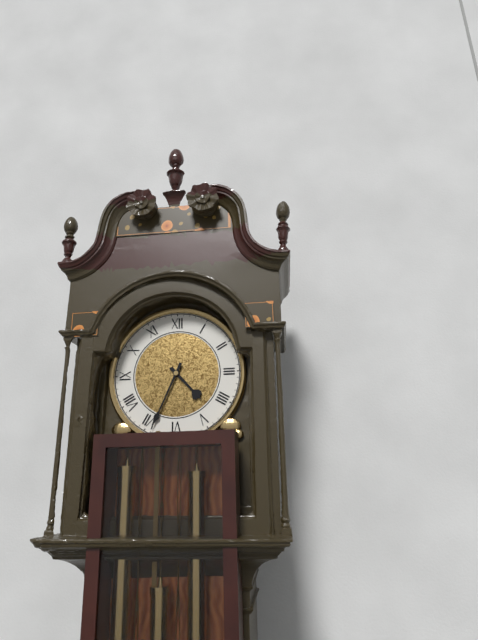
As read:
**4:34**
